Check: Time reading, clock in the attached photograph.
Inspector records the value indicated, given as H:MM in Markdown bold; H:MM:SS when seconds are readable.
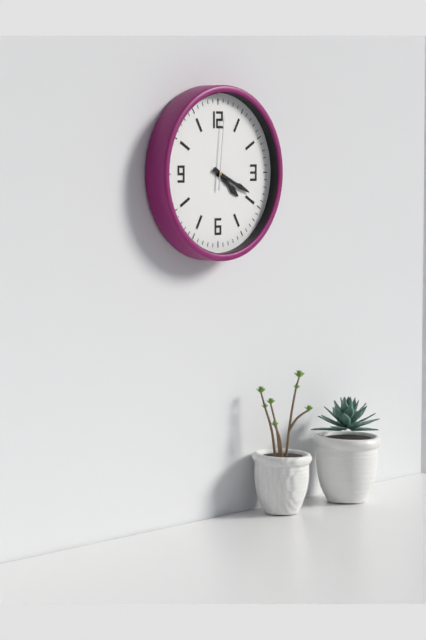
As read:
**4:19:01**
